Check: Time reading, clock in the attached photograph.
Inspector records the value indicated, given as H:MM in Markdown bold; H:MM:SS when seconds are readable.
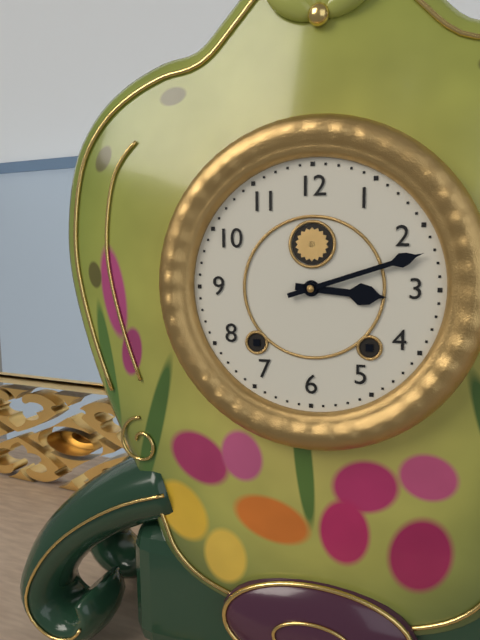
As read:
**3:12**
